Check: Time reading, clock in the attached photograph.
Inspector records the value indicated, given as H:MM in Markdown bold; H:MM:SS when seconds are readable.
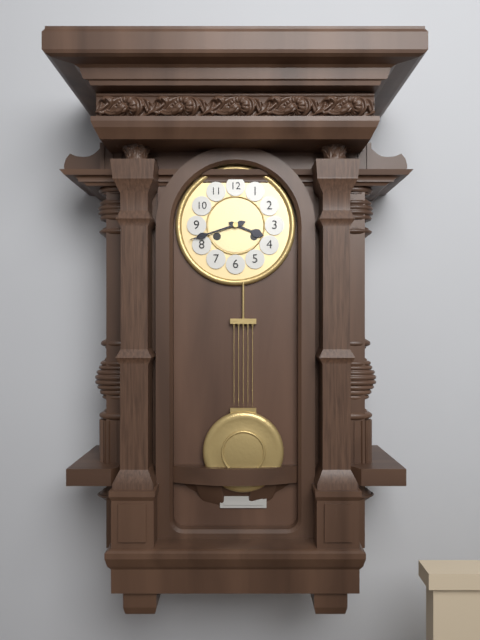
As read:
**3:42**
